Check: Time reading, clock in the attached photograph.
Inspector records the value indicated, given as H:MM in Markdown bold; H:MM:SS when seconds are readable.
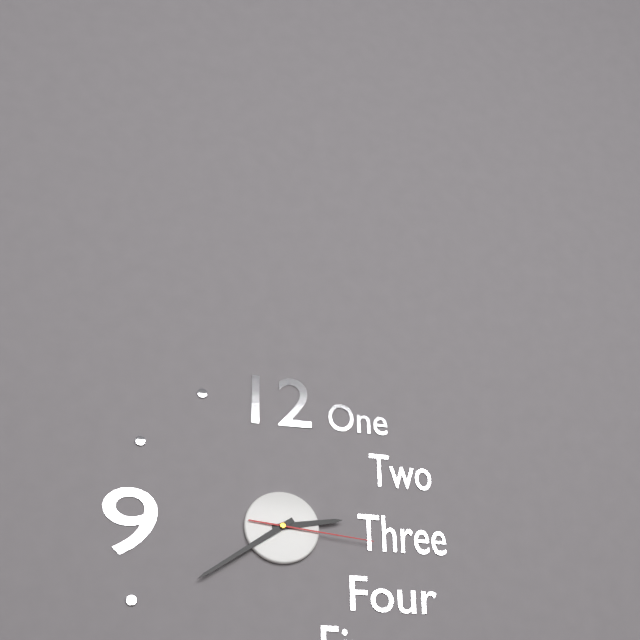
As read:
**2:39:16**
